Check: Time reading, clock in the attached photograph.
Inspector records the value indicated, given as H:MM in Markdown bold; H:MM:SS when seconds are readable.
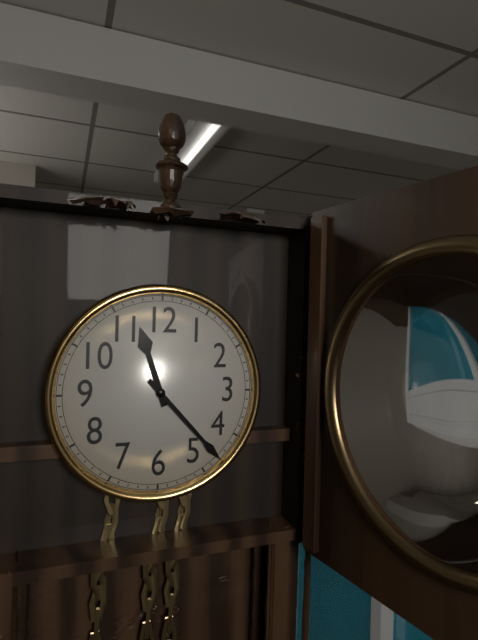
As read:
**11:23**
